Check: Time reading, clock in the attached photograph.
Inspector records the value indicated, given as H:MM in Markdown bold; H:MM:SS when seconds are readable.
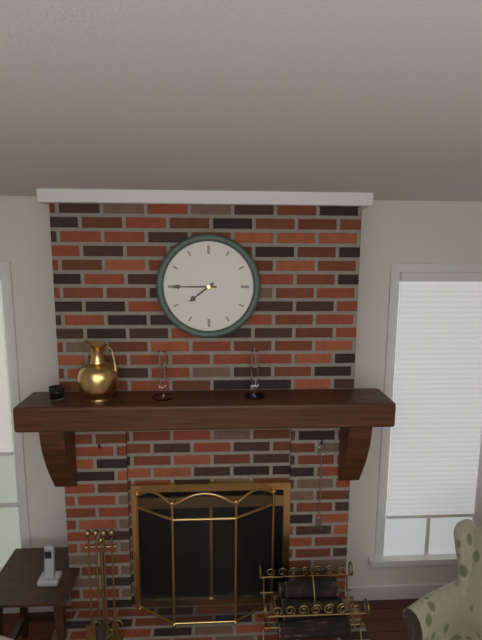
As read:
**7:45**
